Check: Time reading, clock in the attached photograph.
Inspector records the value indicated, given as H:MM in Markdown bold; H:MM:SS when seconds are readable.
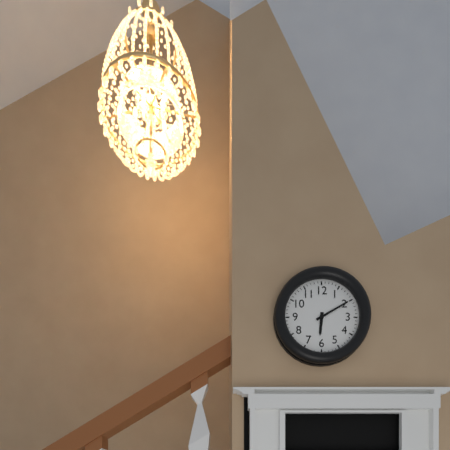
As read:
**6:10**
